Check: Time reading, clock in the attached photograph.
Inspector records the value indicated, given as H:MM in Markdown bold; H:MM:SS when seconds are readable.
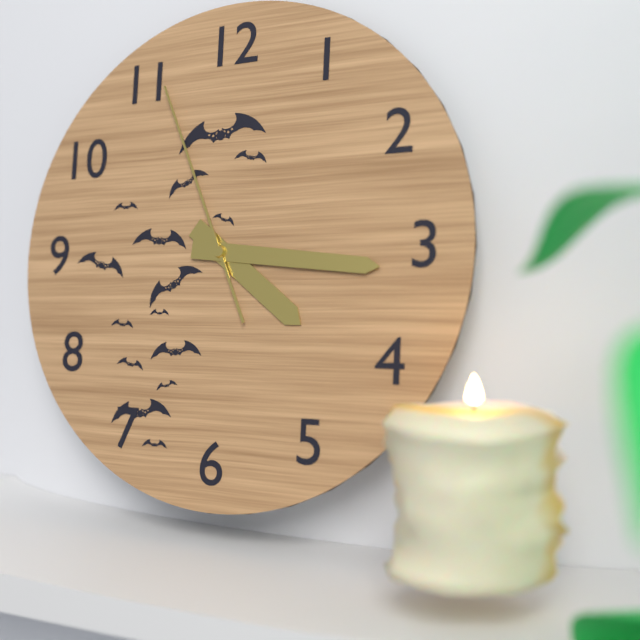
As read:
**4:16:56**
